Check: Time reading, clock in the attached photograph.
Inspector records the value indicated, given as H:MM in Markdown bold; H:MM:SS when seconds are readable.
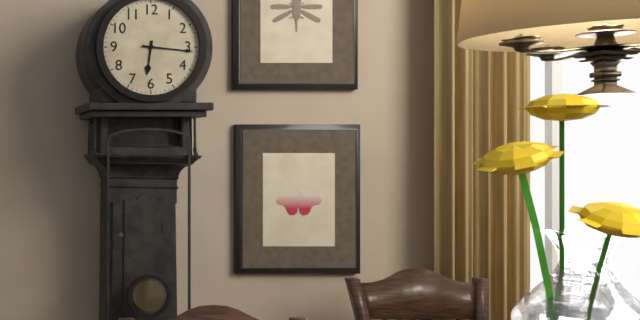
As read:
**6:16**
